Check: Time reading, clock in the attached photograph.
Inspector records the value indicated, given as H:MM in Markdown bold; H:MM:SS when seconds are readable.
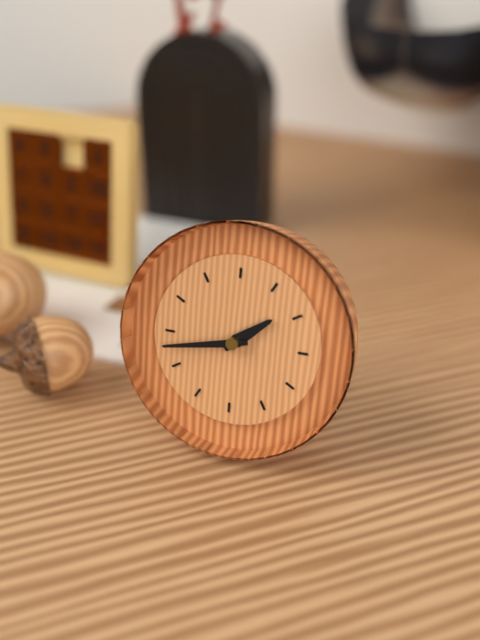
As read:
**1:43**
